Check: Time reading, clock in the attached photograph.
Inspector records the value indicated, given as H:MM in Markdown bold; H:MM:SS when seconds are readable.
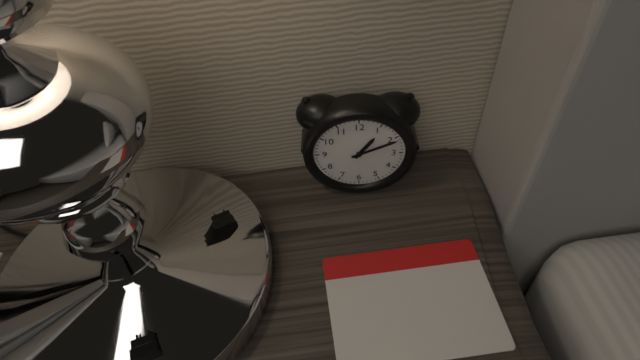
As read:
**1:11**
